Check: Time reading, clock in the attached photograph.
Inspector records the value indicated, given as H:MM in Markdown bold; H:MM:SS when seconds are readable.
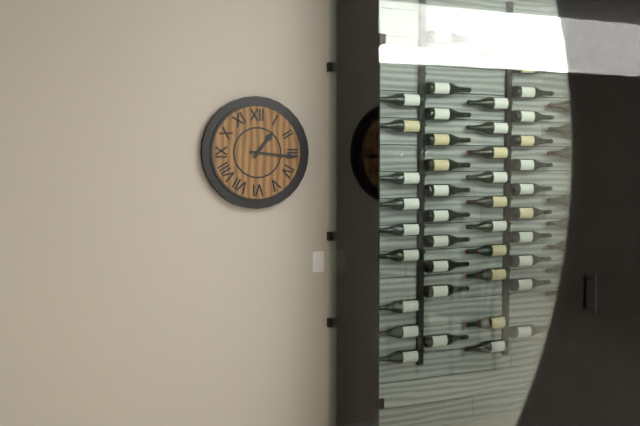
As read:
**1:16**
